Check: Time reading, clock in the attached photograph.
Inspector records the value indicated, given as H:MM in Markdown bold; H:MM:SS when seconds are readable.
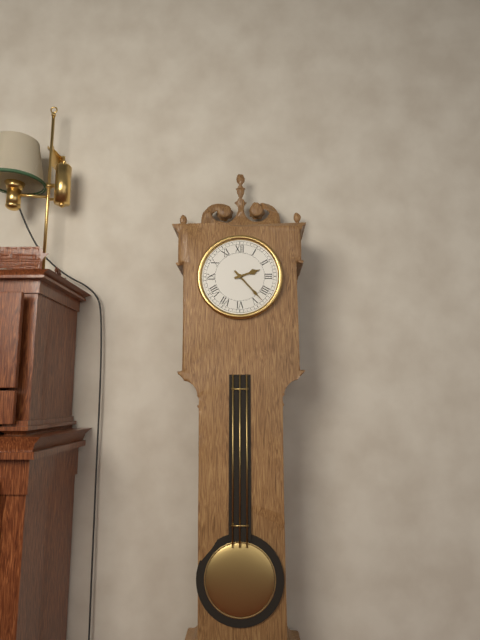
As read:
**2:23**
